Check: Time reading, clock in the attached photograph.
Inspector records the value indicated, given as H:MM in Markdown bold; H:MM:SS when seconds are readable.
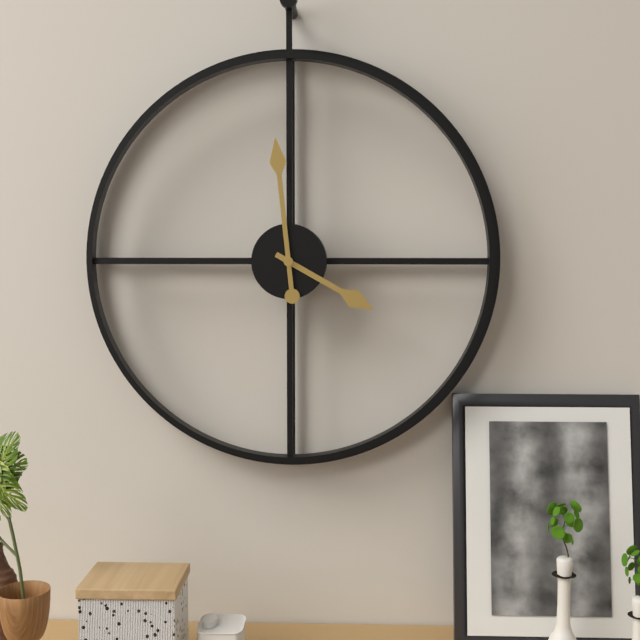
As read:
**3:59**
